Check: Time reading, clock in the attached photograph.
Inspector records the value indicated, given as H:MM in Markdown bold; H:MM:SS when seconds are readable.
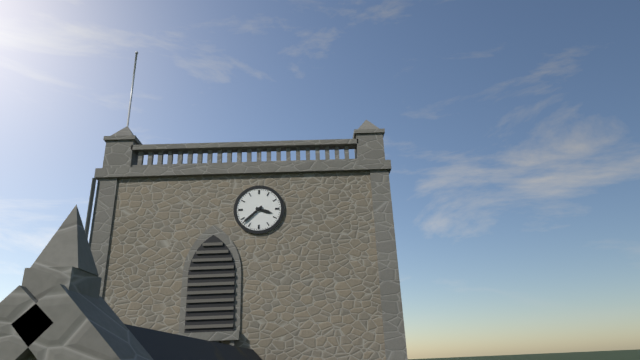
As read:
**3:38**
